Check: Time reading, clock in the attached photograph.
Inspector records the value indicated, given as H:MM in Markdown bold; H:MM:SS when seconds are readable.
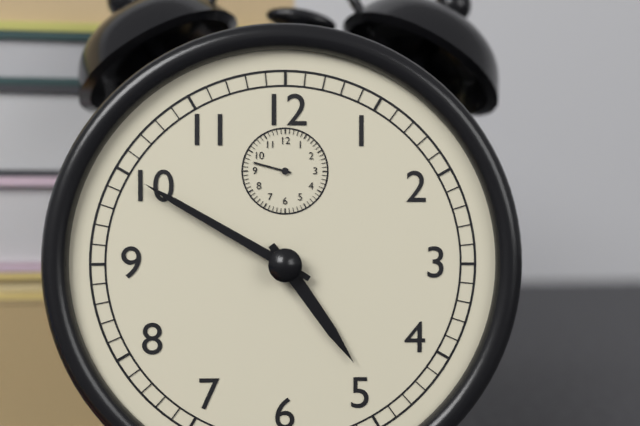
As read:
**4:50**
